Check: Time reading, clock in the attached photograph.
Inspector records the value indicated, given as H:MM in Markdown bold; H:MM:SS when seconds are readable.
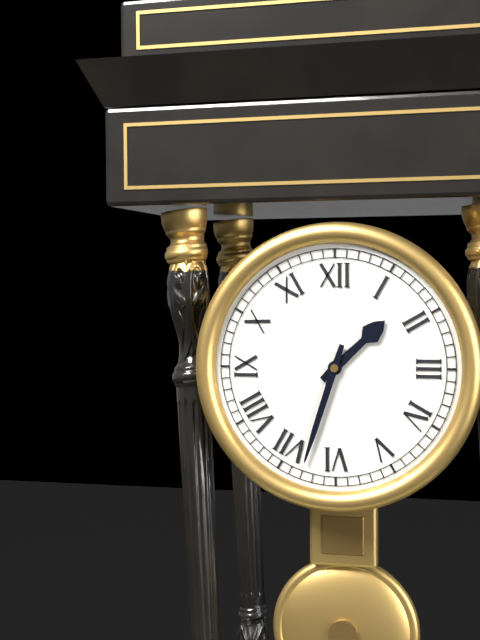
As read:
**1:33**
